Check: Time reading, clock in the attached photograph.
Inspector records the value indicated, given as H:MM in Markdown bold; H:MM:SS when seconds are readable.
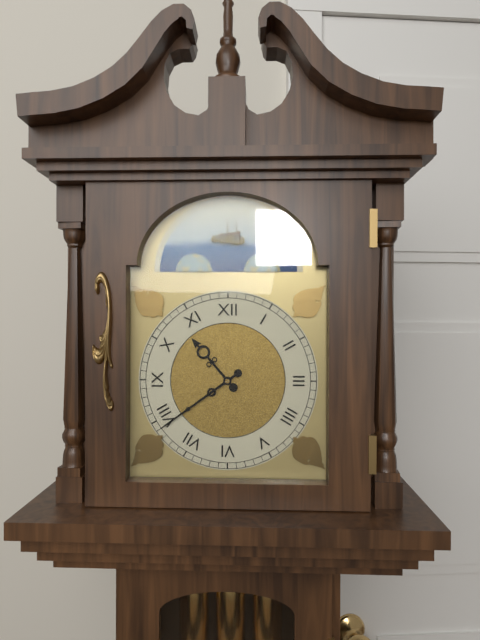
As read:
**10:39**
